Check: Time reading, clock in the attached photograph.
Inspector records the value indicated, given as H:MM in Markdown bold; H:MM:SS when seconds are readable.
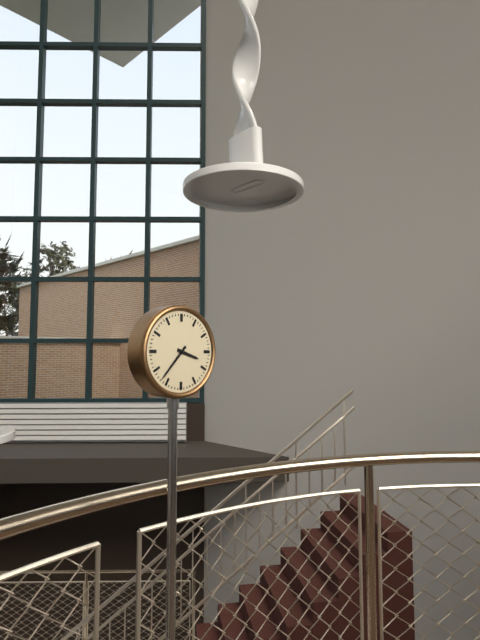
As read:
**3:37**
